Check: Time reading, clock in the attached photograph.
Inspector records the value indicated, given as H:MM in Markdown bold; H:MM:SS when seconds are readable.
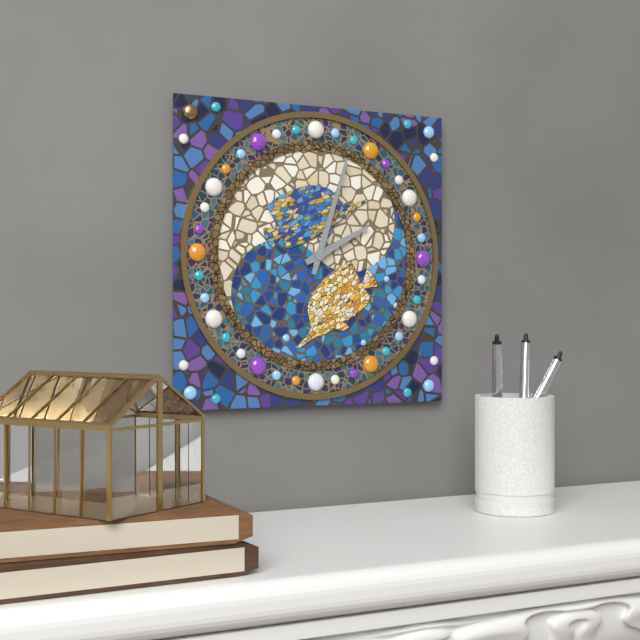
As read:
**2:03**
